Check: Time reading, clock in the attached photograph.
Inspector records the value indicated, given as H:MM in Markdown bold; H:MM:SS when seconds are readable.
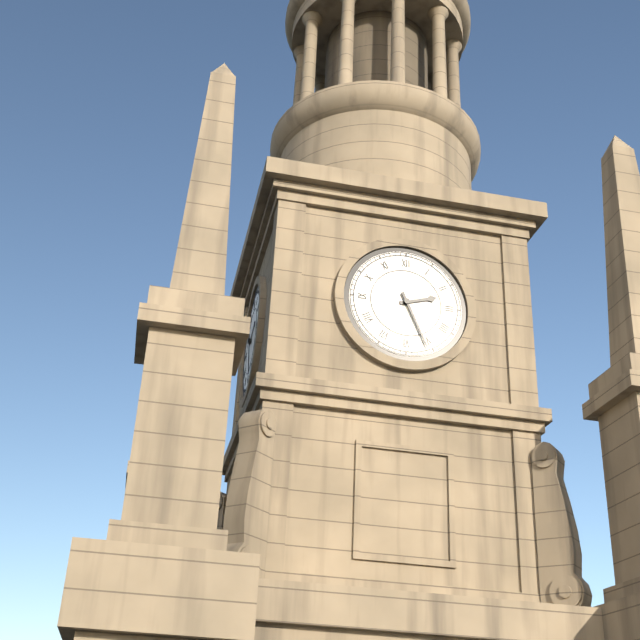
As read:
**2:26**
